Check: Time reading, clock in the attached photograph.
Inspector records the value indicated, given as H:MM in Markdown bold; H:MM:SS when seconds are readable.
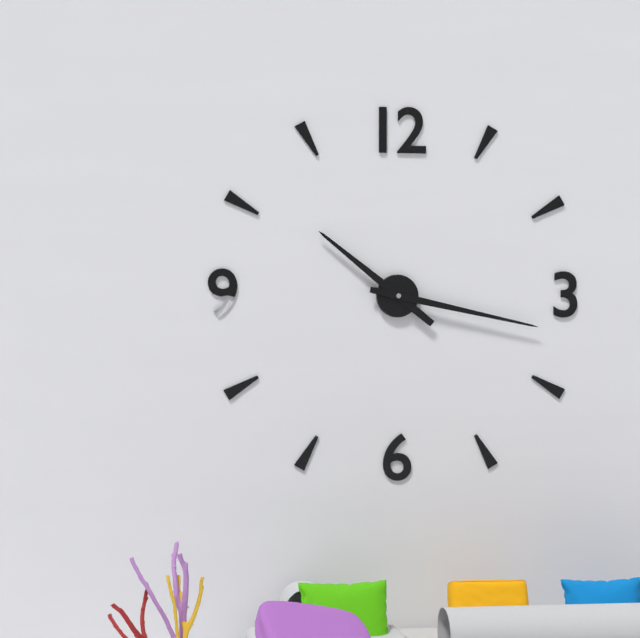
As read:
**10:17**
